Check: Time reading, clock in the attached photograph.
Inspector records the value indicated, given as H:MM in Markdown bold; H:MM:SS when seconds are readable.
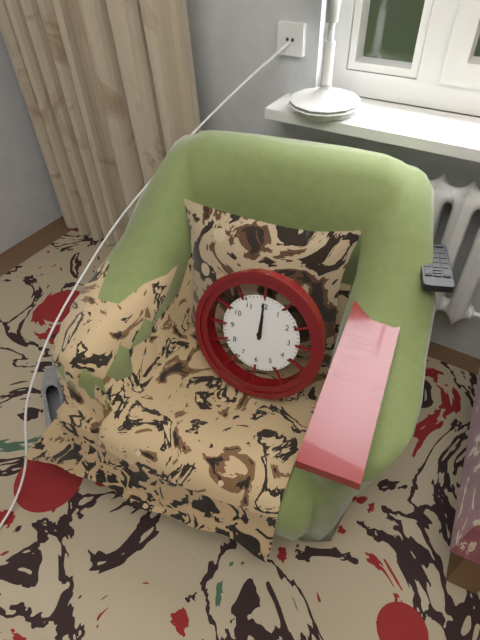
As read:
**12:00**
